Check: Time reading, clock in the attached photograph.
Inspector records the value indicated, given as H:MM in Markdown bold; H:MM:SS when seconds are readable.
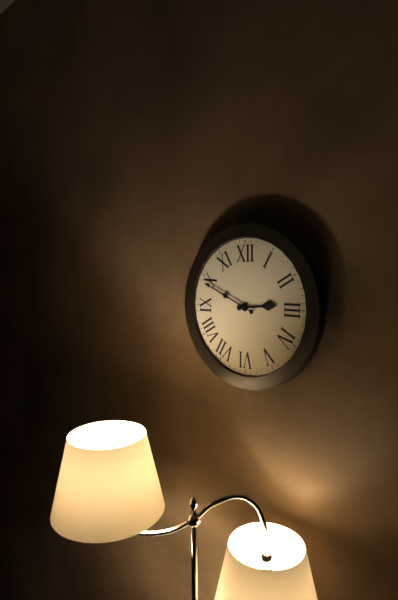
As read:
**2:49**
